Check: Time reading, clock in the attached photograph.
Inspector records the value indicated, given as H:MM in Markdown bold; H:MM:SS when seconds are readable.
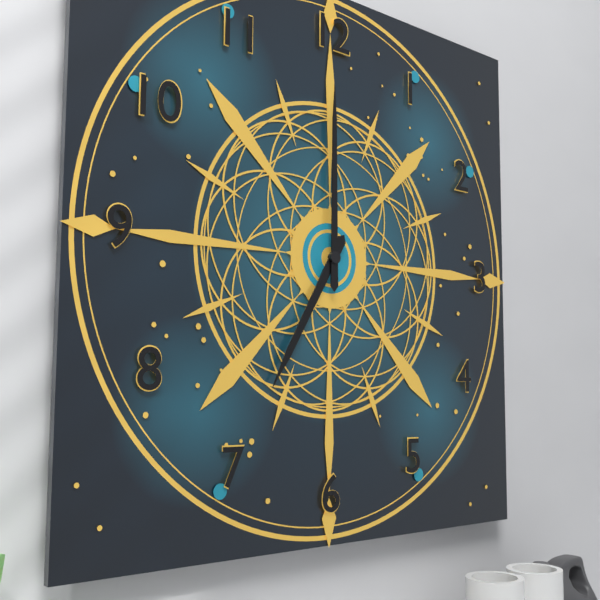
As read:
**7:00**
